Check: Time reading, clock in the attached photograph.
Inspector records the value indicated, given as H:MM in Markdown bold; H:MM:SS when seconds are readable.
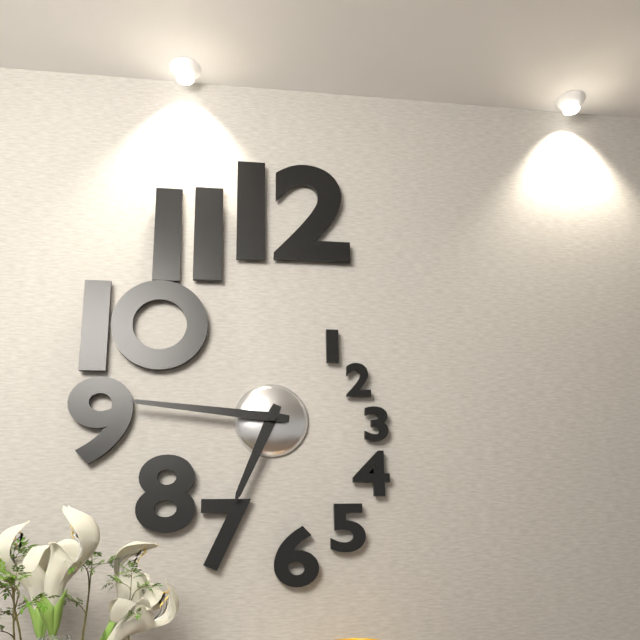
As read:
**6:46**
